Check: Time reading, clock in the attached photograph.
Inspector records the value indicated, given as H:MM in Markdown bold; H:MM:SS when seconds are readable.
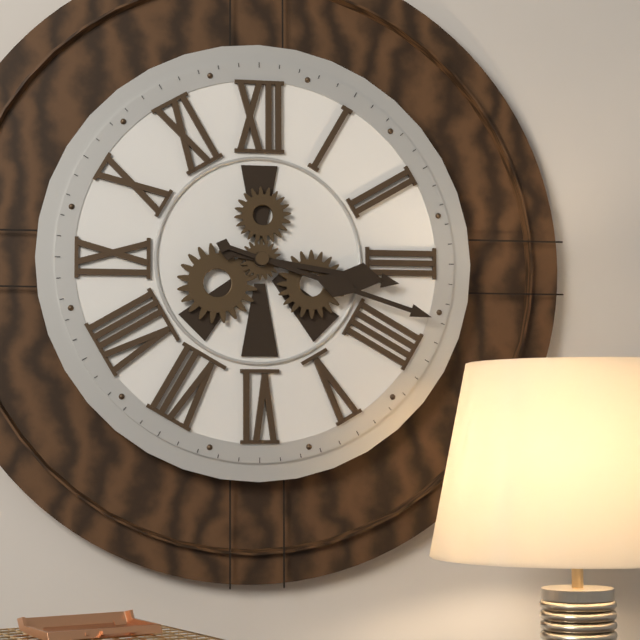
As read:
**3:18**
